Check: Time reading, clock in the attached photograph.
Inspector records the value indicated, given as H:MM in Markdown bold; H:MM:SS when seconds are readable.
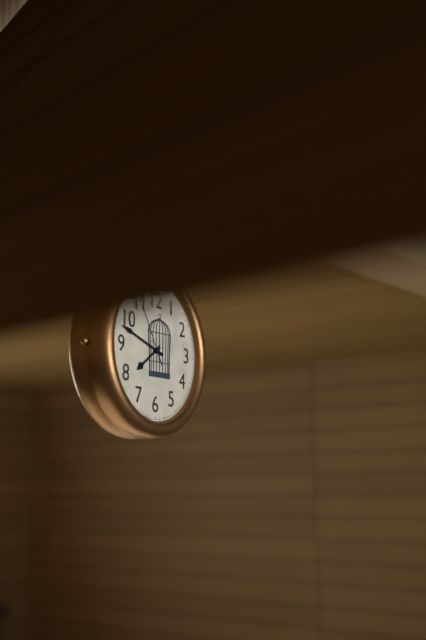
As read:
**7:48**
